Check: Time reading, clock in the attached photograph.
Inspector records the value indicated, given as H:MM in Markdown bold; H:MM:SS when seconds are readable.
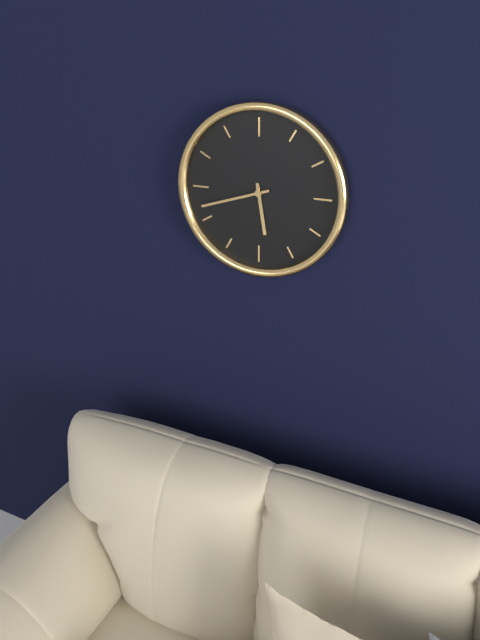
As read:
**5:42**
